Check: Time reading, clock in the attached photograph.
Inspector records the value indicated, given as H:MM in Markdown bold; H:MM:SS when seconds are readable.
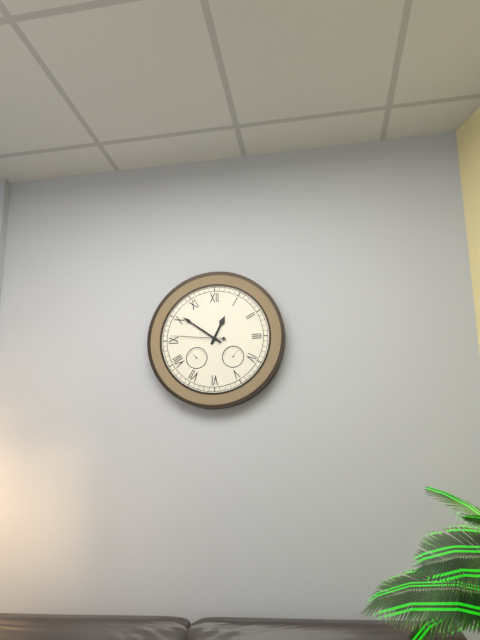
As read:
**12:51:46**
